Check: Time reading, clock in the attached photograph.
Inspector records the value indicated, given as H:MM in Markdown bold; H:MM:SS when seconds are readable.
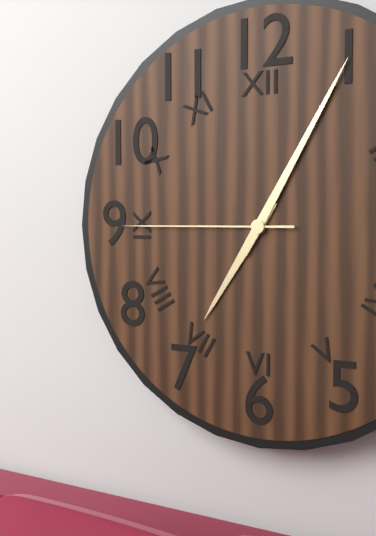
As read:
**7:05:45**
